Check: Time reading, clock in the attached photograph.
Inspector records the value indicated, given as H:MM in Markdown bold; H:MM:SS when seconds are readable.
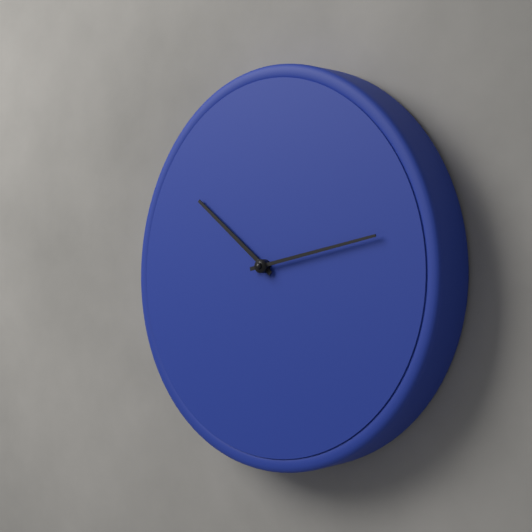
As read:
**10:13**
